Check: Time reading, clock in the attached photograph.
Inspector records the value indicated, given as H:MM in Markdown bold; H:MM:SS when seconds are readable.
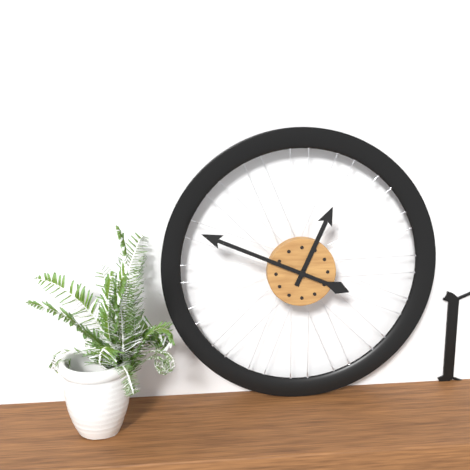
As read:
**12:49**
